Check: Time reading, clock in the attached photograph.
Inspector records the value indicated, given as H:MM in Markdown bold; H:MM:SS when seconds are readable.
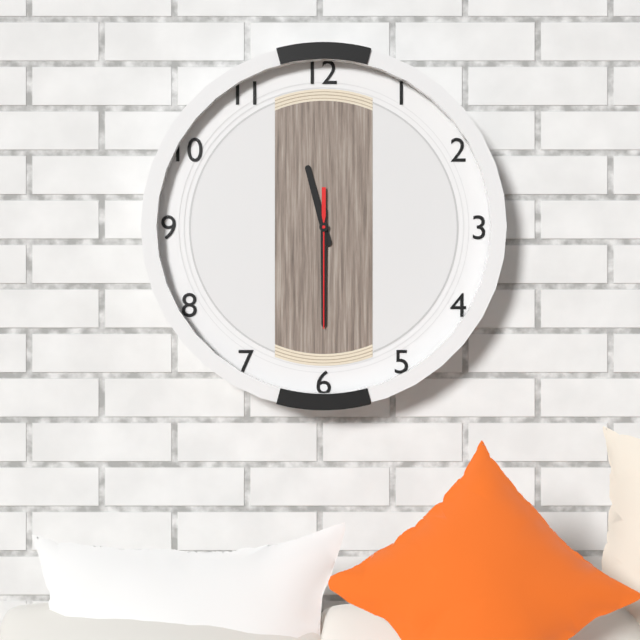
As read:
**11:30:30**
